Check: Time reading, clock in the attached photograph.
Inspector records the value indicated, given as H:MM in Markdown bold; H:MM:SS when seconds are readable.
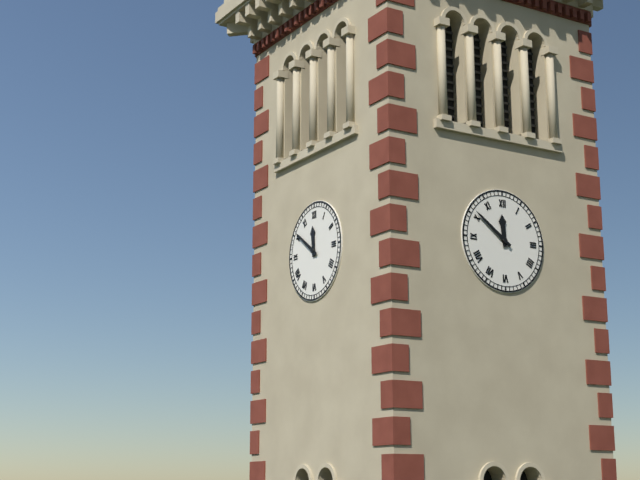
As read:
**11:51**
